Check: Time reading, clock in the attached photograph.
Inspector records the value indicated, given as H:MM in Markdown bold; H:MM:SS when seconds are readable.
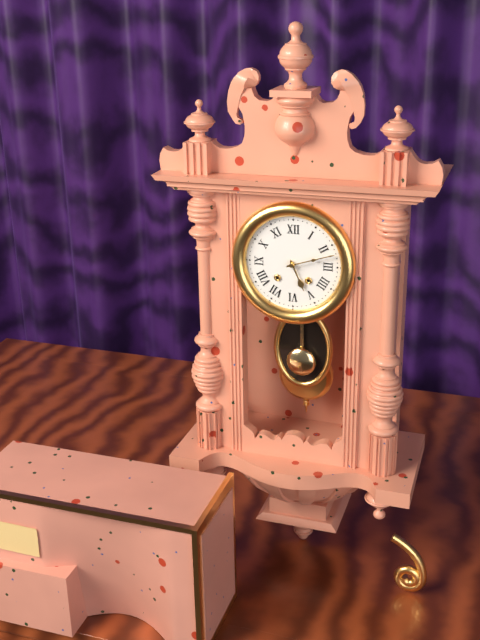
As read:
**5:12**
